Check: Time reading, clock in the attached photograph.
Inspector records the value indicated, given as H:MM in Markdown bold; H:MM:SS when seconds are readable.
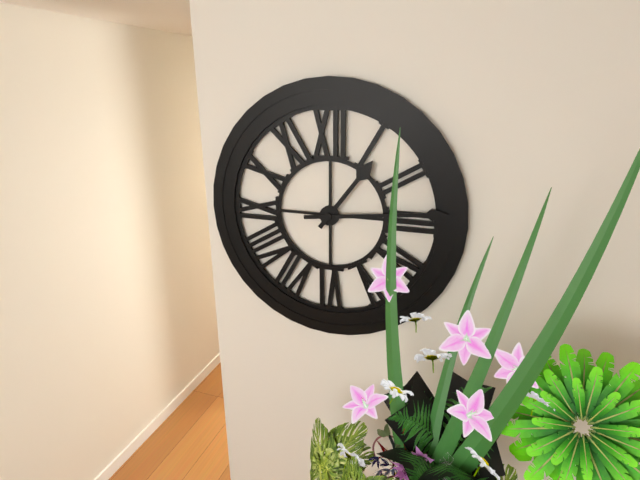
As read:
**1:14**
